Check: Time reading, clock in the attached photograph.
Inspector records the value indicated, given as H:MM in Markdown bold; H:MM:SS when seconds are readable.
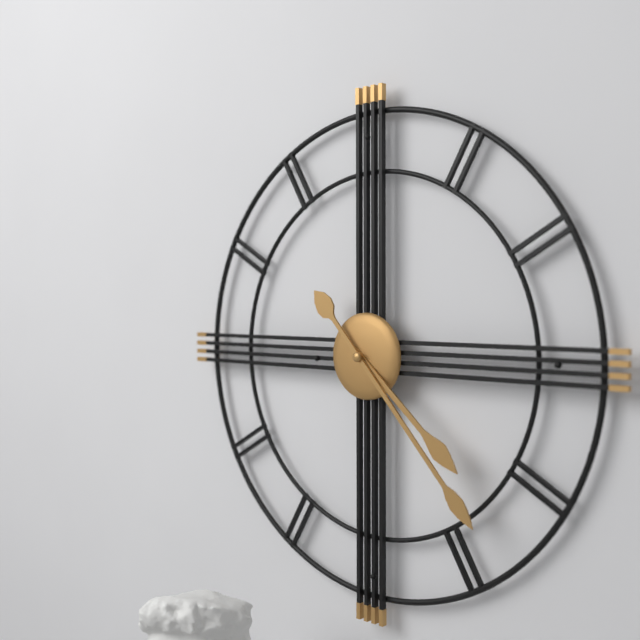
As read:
**4:23**
